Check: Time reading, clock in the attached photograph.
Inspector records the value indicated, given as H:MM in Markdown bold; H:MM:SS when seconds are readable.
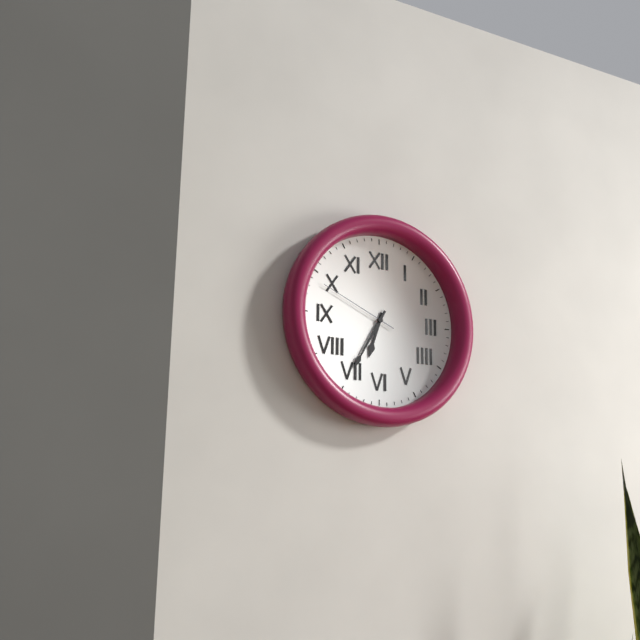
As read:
**6:35:49**
